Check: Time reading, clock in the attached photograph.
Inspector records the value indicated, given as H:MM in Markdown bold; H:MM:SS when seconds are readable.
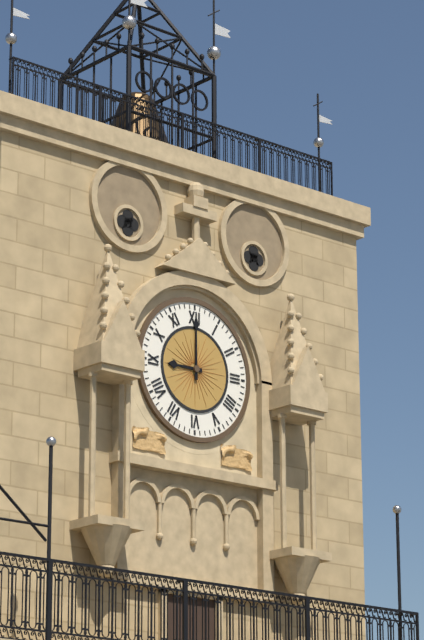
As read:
**9:00**
